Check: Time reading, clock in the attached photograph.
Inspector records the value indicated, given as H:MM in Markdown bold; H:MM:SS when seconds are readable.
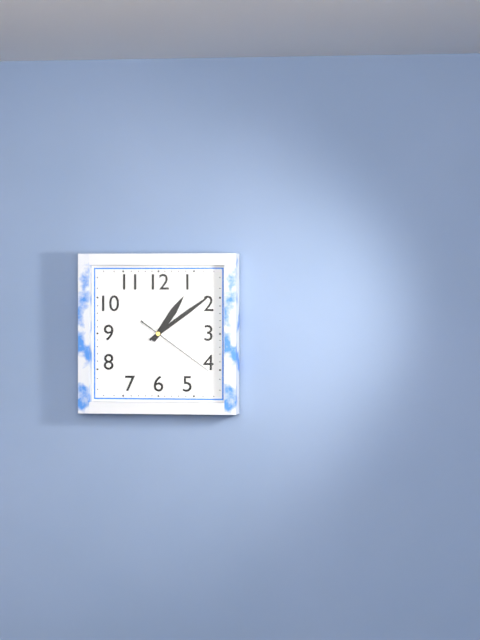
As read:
**1:09:21**
